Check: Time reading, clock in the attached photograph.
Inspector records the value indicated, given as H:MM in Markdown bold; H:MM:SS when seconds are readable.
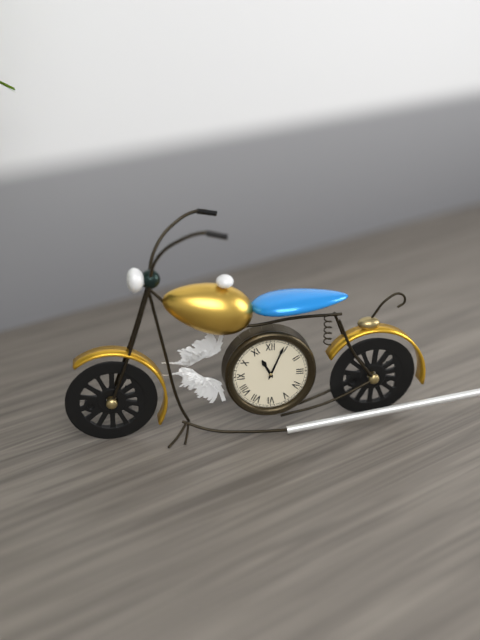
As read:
**11:04**
